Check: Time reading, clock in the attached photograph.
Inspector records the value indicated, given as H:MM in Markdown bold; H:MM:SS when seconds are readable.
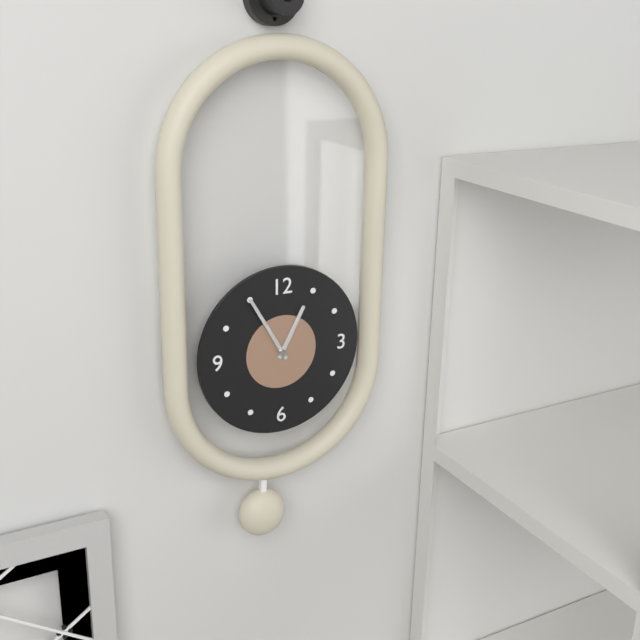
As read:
**12:55**
